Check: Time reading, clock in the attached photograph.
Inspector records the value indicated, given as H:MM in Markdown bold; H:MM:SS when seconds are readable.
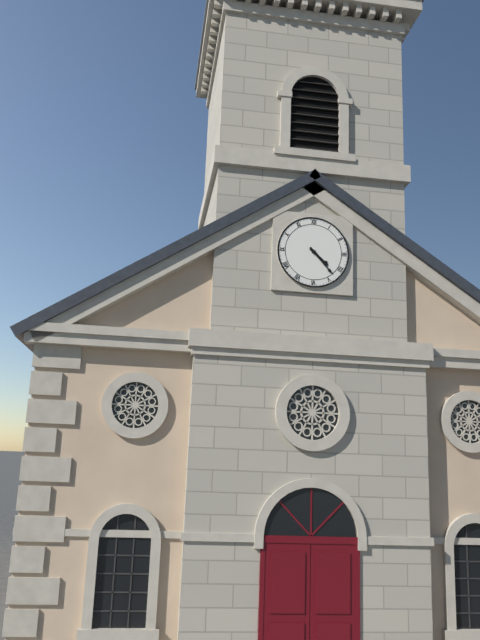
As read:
**4:23**
